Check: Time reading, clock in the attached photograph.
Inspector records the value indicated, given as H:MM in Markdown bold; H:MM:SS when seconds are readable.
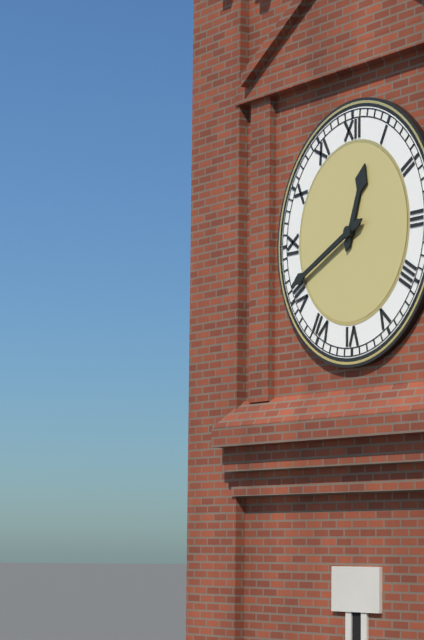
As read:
**12:41**
